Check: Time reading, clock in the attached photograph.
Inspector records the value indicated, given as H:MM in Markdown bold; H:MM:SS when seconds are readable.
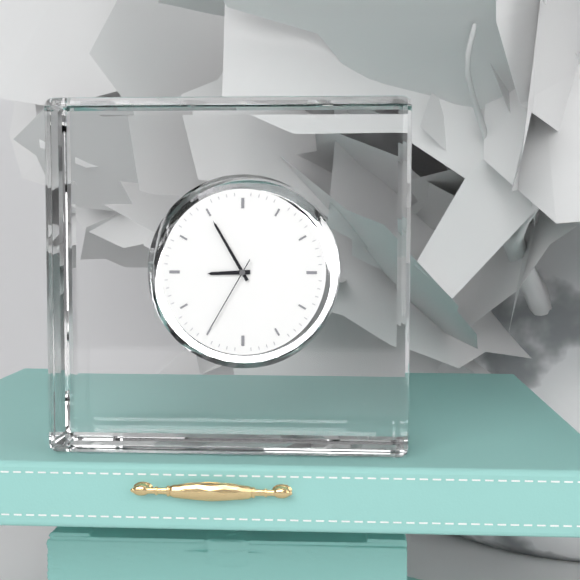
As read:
**8:55:35**
